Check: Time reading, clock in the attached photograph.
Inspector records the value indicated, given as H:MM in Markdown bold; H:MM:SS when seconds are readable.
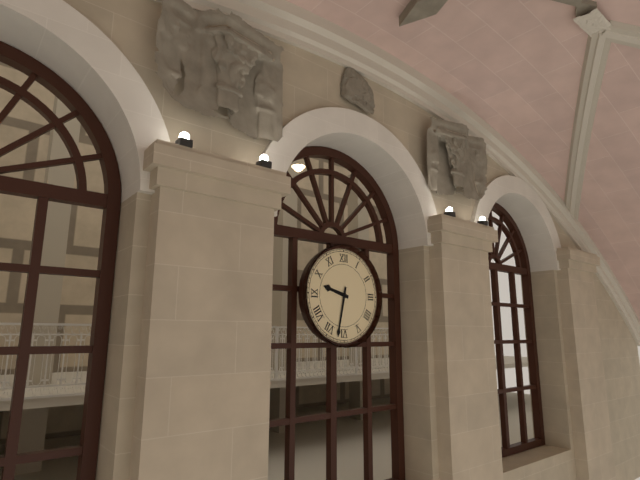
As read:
**9:32**
